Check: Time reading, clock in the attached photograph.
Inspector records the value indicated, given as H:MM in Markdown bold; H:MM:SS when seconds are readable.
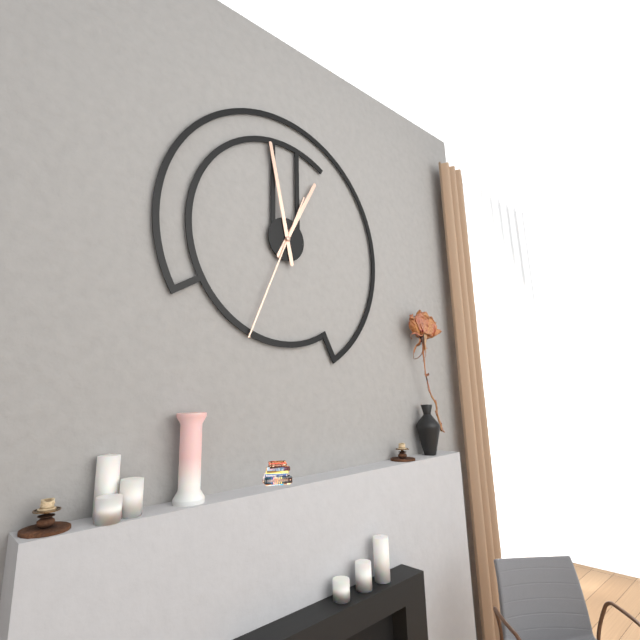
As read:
**12:58:34**
